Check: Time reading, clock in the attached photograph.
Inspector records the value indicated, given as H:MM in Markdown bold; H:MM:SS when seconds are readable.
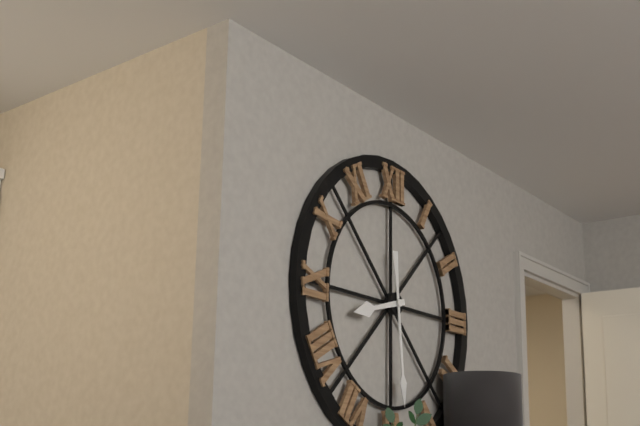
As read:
**8:29**
